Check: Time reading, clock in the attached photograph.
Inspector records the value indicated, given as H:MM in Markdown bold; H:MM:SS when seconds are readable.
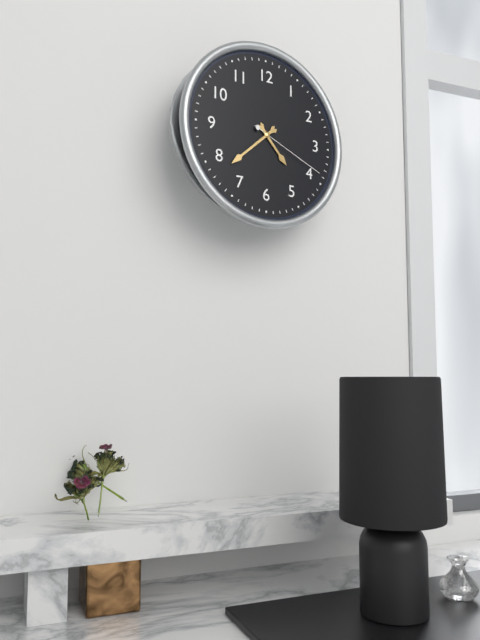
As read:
**4:38:19**
